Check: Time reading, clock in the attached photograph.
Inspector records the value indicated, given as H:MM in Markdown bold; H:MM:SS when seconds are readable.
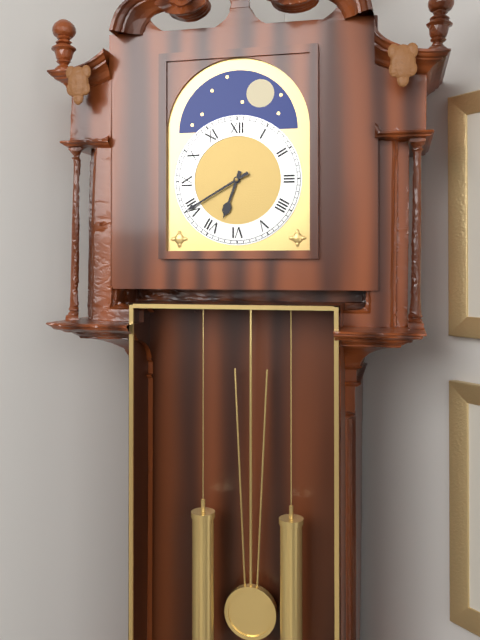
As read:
**6:40**
